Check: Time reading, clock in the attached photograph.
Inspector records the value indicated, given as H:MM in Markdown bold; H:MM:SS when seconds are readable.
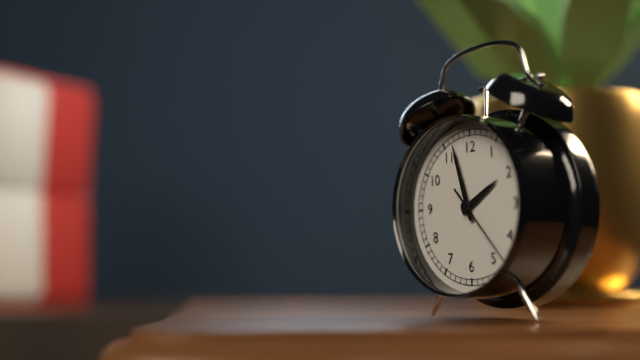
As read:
**1:57:23**
